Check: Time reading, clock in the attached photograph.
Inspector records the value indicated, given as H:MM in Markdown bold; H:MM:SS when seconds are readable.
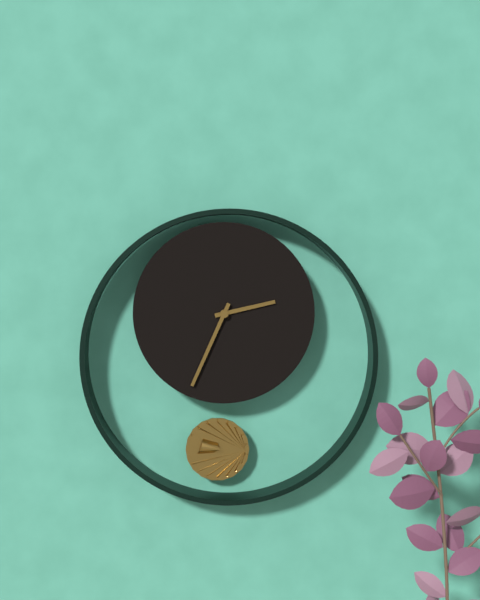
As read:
**2:34**
